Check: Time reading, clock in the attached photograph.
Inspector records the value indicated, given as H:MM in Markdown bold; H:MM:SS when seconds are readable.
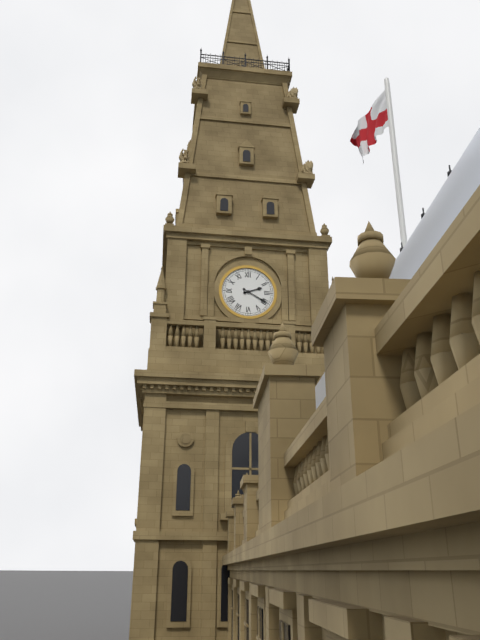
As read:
**2:20**
